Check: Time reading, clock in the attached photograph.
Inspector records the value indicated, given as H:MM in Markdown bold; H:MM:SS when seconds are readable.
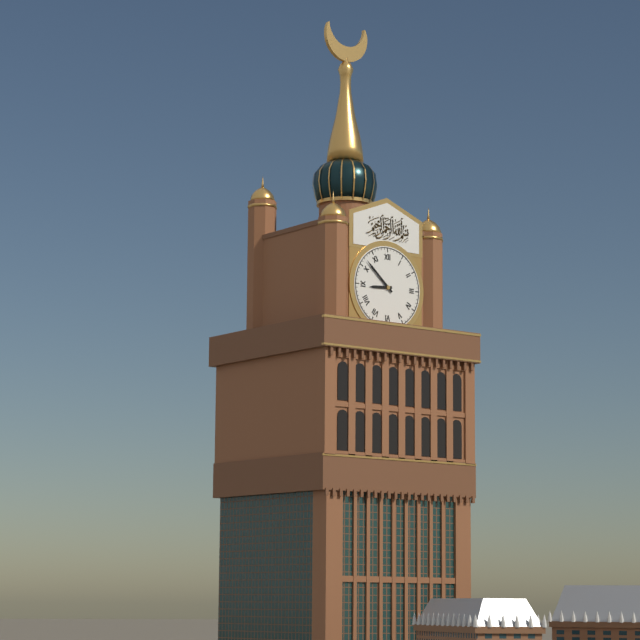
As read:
**8:52**
